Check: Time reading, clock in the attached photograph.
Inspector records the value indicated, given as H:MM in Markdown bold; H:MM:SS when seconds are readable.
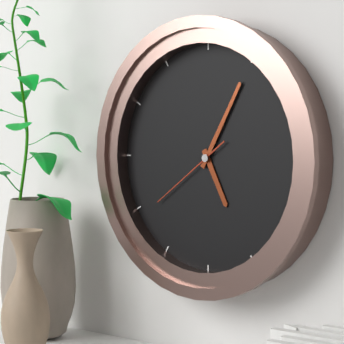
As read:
**5:05:39**
